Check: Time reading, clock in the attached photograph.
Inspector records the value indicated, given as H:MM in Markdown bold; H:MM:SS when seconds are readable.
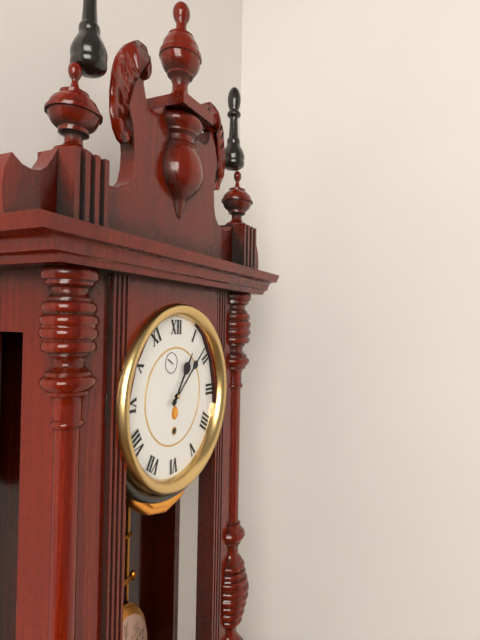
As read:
**1:08**
